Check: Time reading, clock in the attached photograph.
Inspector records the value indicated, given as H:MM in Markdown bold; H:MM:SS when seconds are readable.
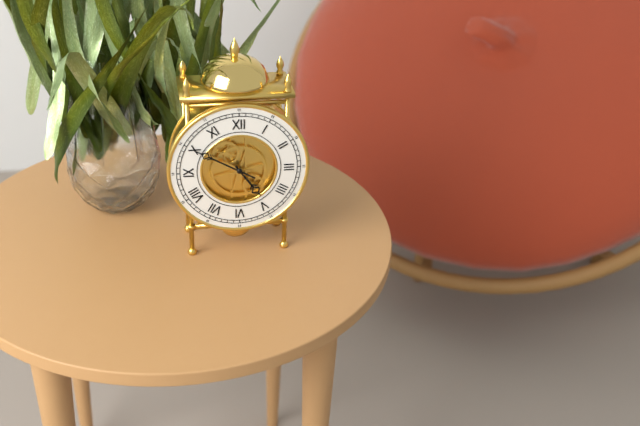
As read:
**4:50**
